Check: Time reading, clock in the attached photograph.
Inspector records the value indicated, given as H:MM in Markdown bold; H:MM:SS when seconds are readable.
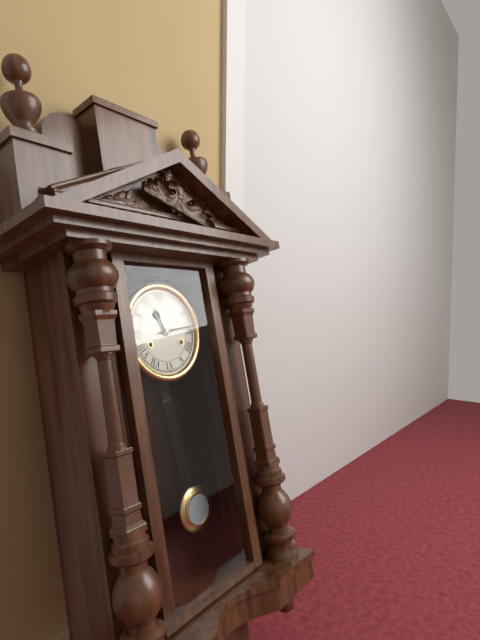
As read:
**11:14**
